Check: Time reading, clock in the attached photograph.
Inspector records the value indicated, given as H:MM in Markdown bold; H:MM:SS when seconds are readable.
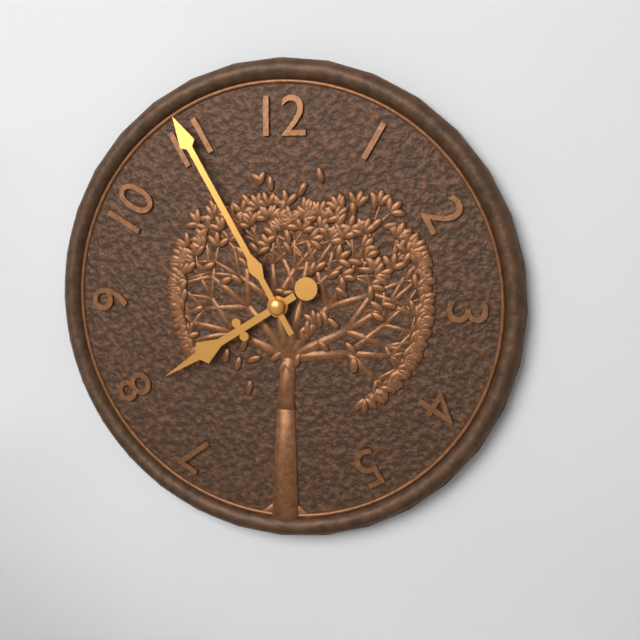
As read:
**7:55**
